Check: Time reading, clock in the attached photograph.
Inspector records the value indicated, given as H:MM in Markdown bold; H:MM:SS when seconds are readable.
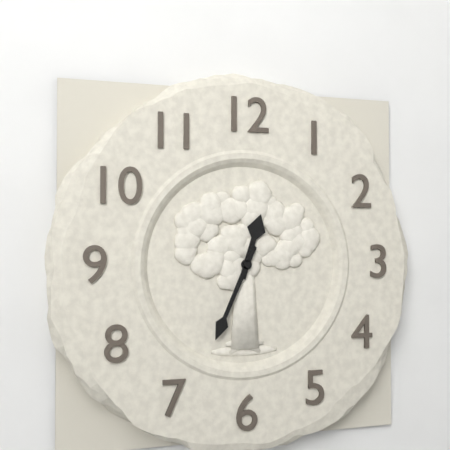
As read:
**12:34**
